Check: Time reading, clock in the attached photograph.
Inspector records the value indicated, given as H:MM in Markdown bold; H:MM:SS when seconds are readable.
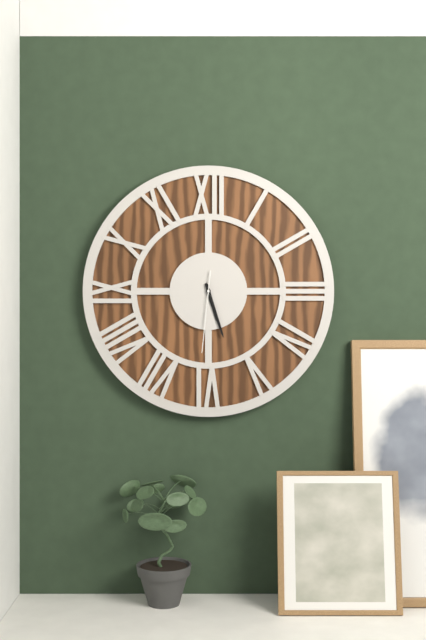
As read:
**5:27:31**
